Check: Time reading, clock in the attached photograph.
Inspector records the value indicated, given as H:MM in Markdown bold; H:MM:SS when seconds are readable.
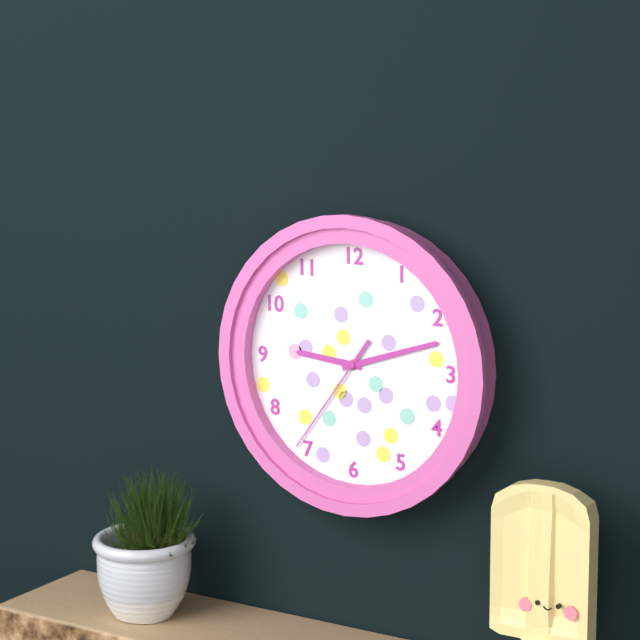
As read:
**9:12:36**
